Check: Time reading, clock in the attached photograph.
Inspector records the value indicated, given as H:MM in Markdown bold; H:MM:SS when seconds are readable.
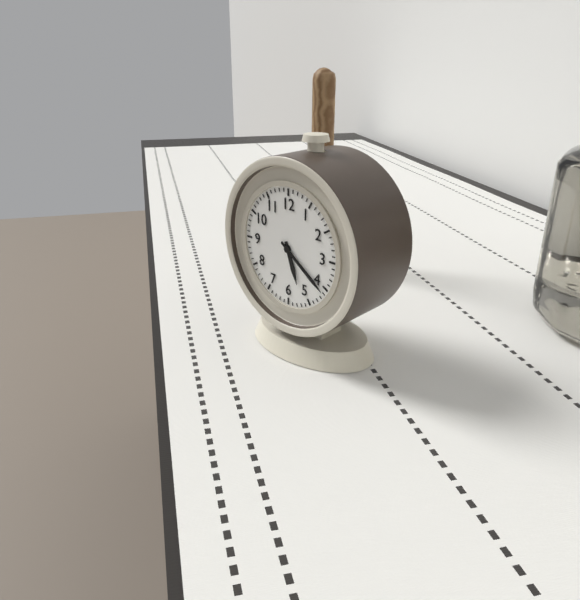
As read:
**5:21**
